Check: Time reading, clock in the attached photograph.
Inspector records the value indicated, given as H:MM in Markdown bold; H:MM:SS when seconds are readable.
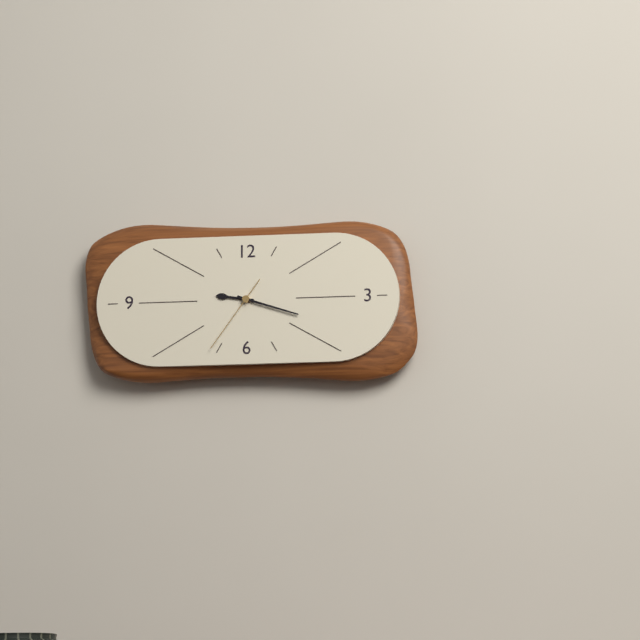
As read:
**9:18:36**
